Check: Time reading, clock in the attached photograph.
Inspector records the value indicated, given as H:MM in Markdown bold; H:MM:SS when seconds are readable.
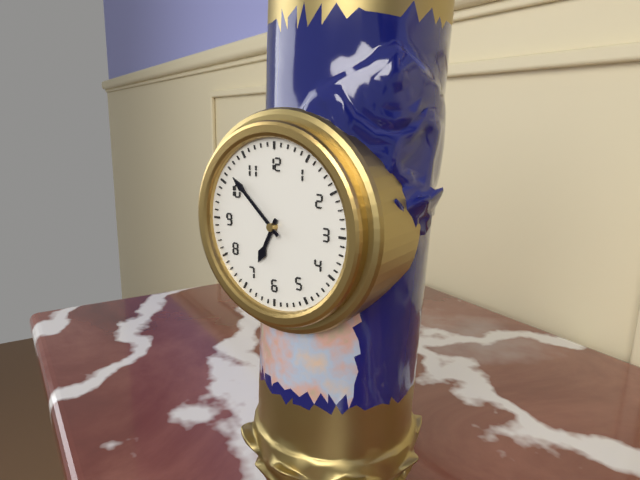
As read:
**6:52**
